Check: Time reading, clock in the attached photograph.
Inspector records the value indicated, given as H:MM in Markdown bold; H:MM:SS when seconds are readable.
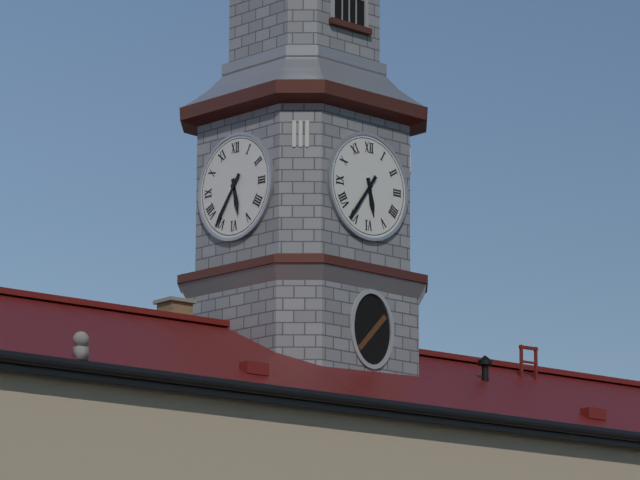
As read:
**5:36**
